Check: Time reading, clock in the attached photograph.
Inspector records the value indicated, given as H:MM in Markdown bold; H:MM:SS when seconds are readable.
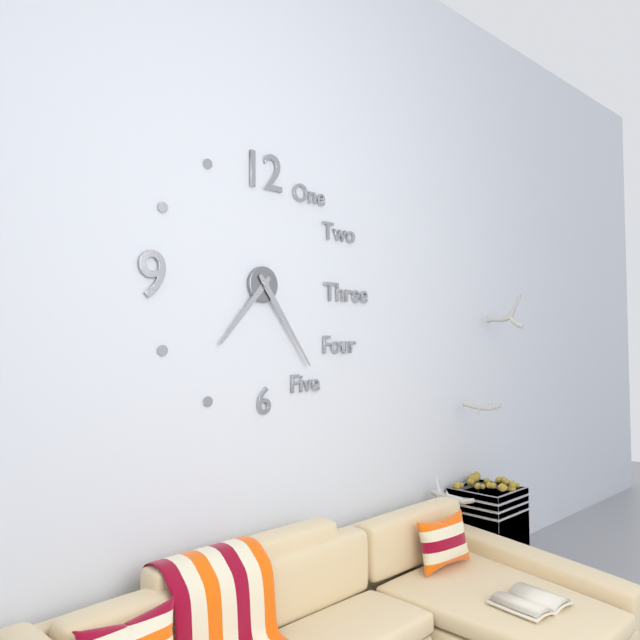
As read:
**7:24**
